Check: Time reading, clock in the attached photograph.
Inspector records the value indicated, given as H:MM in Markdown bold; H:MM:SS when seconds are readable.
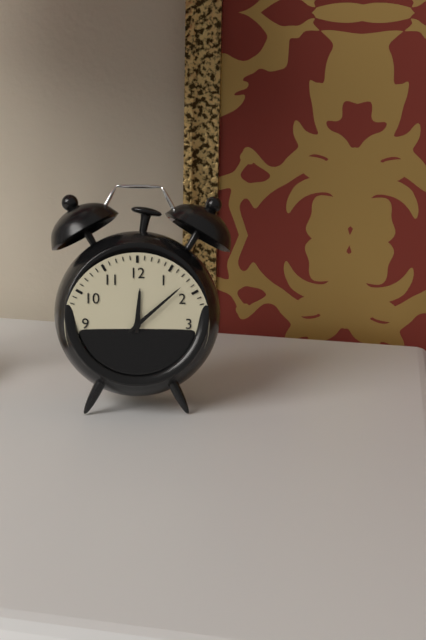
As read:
**12:08**
